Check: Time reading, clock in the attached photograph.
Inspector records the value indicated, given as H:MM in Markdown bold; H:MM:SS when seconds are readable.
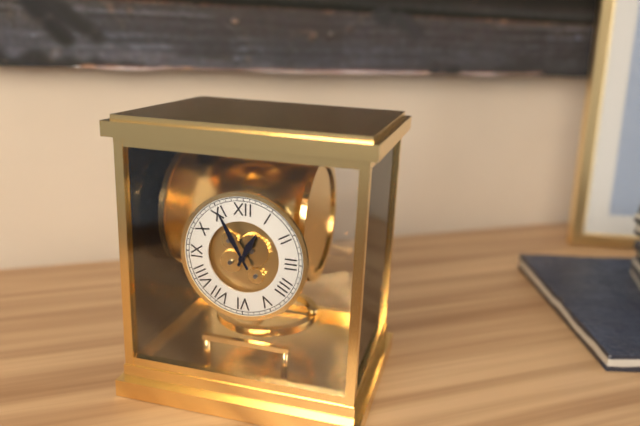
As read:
**12:55**
